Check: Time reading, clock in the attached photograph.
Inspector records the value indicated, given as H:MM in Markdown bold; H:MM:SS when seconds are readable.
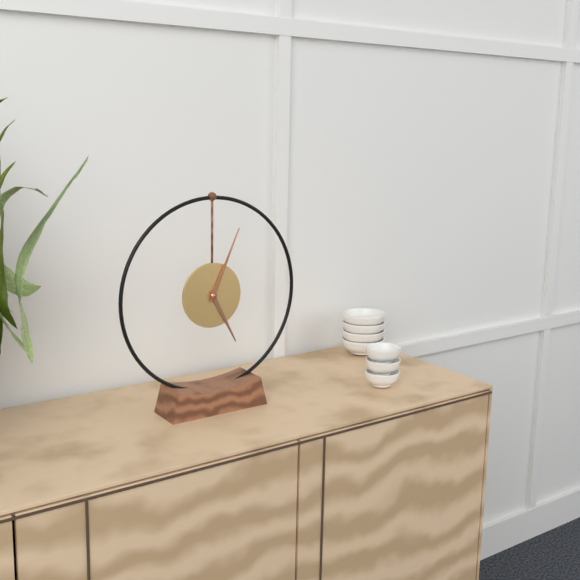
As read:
**5:04**
